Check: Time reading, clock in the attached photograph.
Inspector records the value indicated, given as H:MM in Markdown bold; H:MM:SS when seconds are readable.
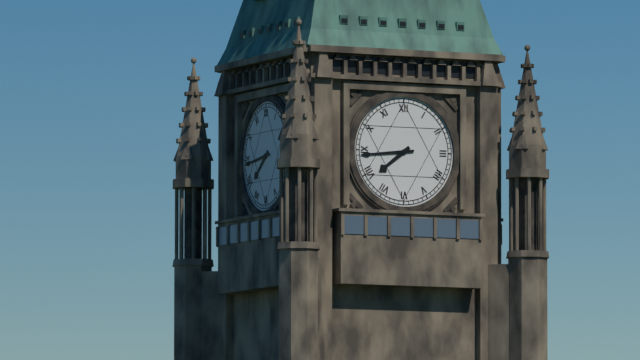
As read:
**7:44**
